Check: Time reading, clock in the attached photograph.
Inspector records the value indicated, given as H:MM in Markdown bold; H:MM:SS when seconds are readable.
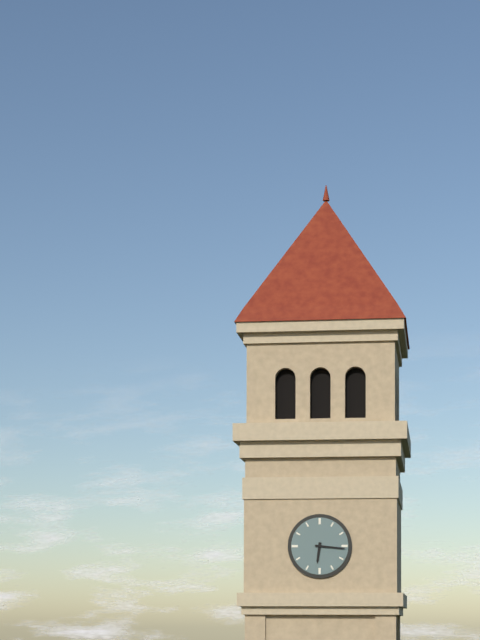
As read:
**6:16**
